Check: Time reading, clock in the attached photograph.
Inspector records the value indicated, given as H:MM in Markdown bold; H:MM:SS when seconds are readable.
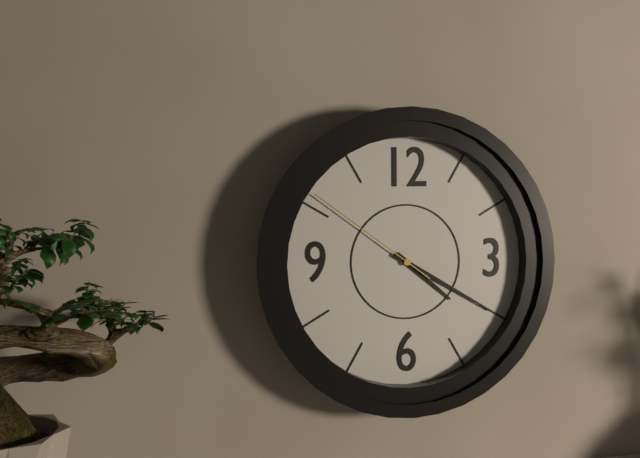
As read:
**4:20:51**
